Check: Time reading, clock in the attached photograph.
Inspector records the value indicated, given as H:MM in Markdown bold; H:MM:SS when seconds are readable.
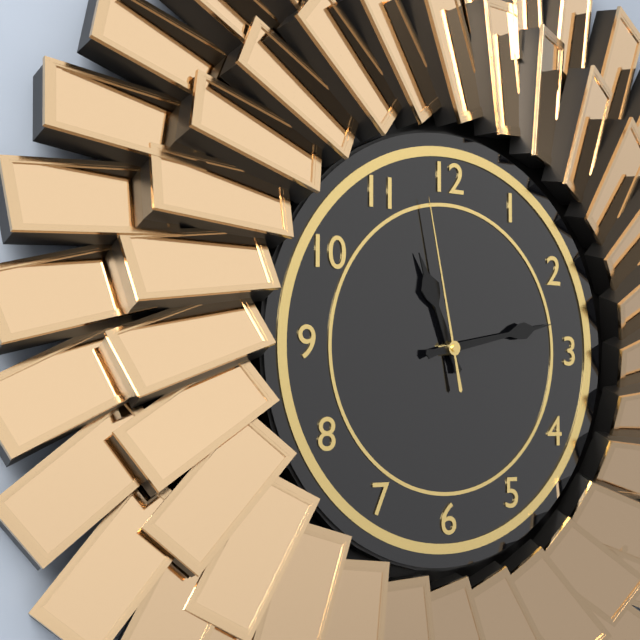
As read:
**11:13:58**
